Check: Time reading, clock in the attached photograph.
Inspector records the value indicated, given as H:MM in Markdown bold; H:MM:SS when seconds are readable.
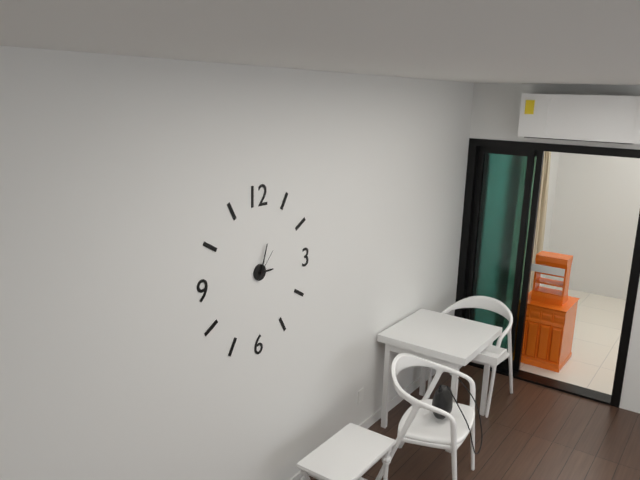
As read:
**3:03**
